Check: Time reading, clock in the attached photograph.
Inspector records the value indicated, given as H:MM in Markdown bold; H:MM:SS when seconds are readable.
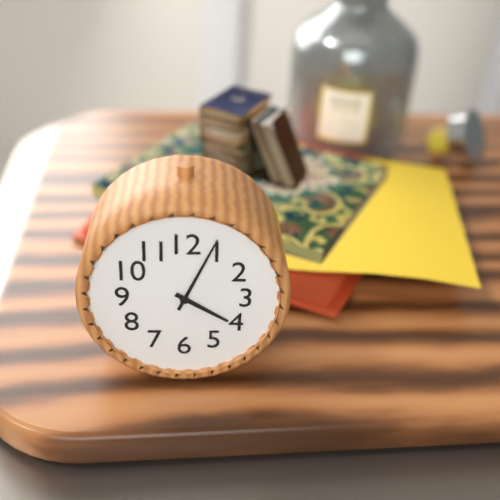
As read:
**4:04**
